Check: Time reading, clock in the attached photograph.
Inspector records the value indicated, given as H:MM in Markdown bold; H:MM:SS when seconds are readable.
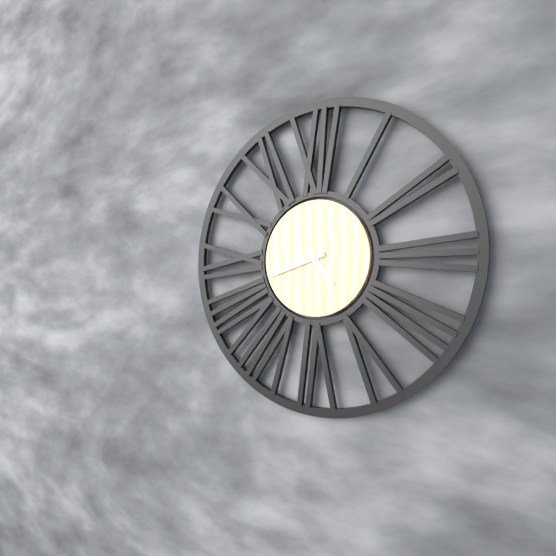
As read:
**4:42**
